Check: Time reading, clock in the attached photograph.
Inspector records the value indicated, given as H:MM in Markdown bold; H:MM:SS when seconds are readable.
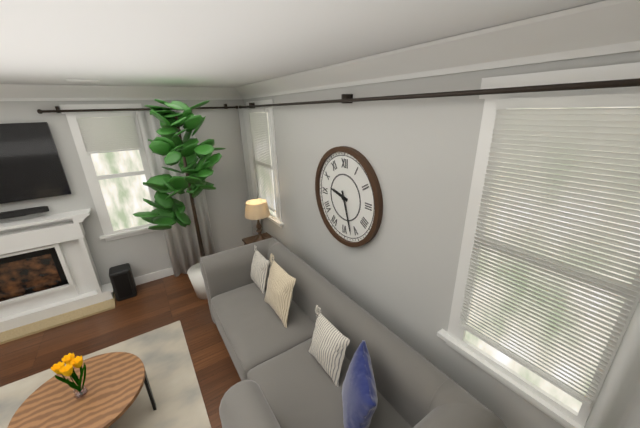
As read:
**9:27**
